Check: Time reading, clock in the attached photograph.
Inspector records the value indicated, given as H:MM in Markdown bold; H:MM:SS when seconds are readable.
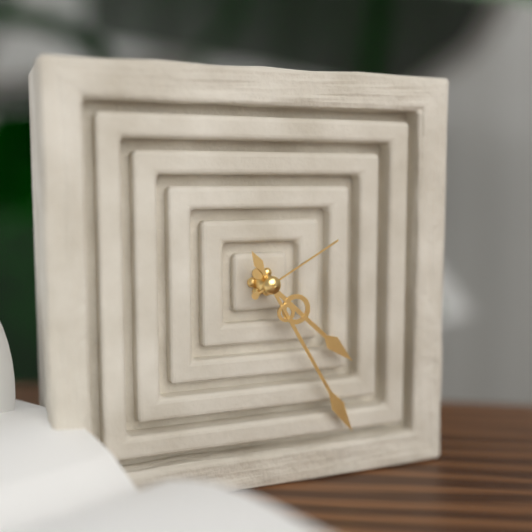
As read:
**4:25:10**
